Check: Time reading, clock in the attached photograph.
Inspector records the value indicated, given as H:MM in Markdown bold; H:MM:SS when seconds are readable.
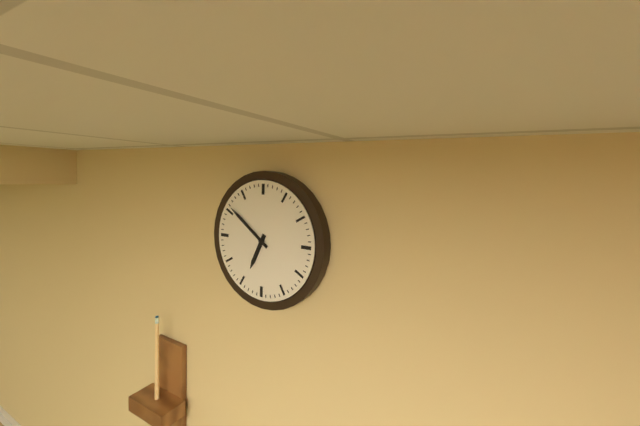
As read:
**6:51**
